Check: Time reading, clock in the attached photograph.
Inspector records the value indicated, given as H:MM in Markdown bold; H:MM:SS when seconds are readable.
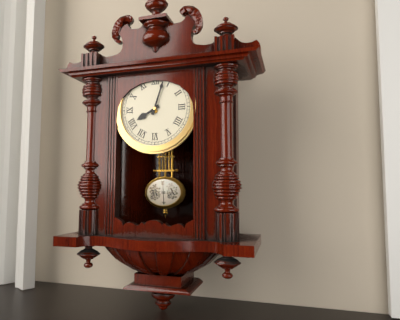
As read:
**8:03**
